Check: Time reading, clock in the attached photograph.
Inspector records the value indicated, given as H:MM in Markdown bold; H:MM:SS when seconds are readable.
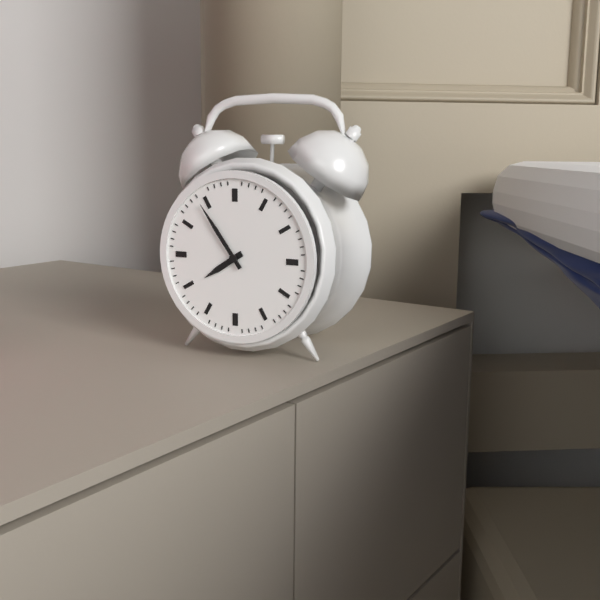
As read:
**7:54**
